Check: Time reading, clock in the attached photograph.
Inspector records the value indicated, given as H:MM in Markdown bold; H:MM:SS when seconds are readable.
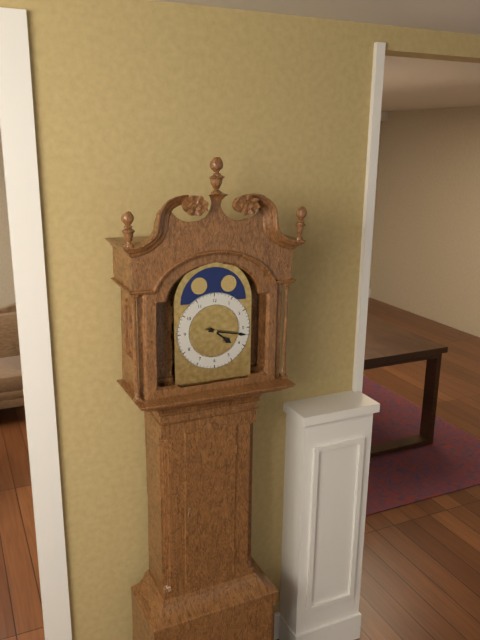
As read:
**4:17**
